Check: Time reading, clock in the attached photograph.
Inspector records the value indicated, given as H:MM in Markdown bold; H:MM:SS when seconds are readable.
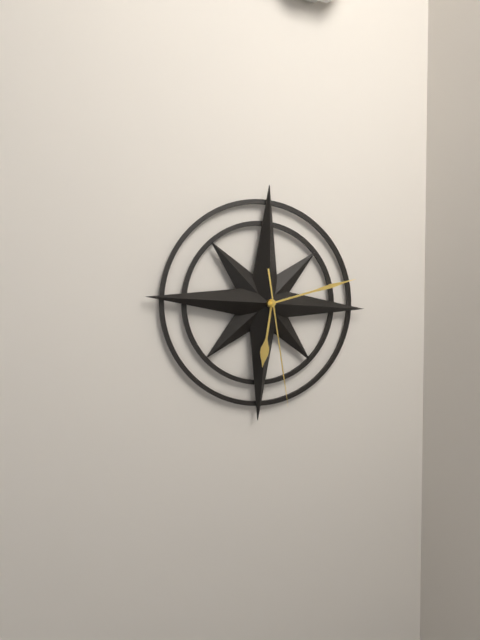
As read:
**6:12:28**
